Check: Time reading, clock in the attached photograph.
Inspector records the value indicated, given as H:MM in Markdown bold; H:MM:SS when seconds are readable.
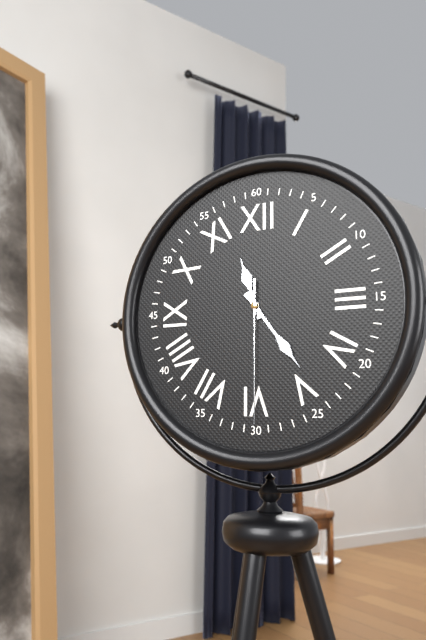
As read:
**11:24:30**
